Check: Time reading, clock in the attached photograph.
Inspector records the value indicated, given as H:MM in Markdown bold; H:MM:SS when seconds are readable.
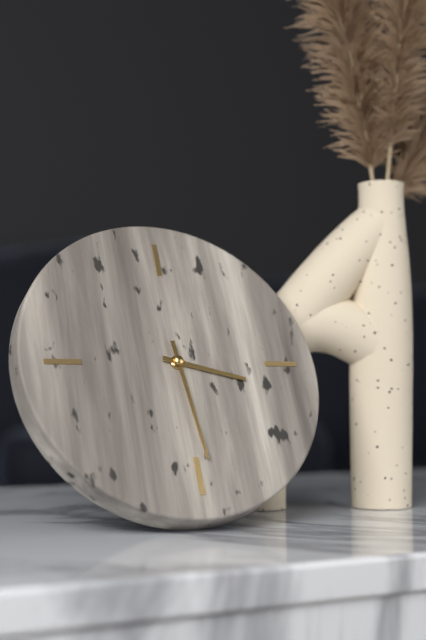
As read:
**3:29**
